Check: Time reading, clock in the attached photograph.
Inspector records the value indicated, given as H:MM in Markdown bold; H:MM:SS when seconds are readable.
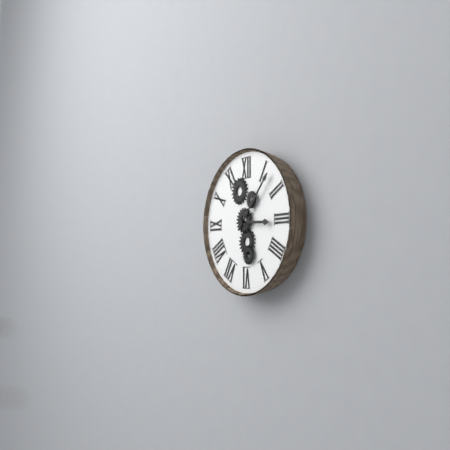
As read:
**3:07**
